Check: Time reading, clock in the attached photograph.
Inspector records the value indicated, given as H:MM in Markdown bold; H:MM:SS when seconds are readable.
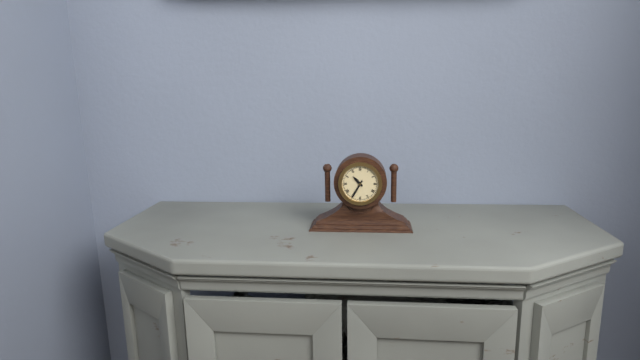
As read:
**10:35**
